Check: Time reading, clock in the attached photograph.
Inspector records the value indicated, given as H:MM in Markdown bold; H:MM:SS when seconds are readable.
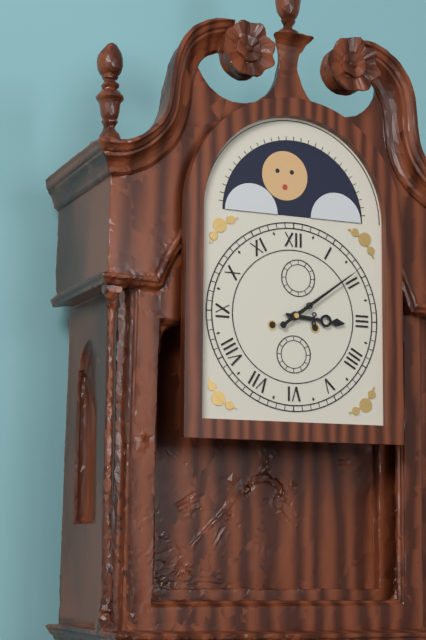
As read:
**3:09**
